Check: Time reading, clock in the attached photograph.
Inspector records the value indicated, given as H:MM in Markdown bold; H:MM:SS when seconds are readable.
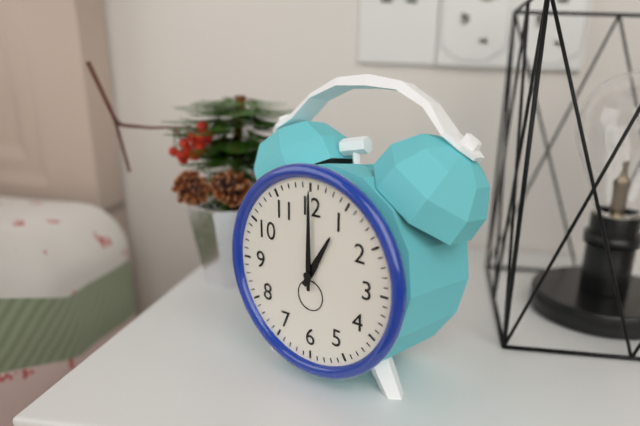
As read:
**1:00**
